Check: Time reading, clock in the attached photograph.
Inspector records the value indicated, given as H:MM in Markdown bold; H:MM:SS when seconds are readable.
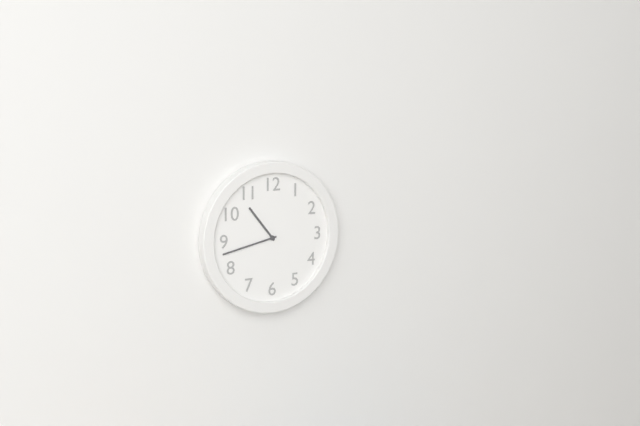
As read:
**10:43**
